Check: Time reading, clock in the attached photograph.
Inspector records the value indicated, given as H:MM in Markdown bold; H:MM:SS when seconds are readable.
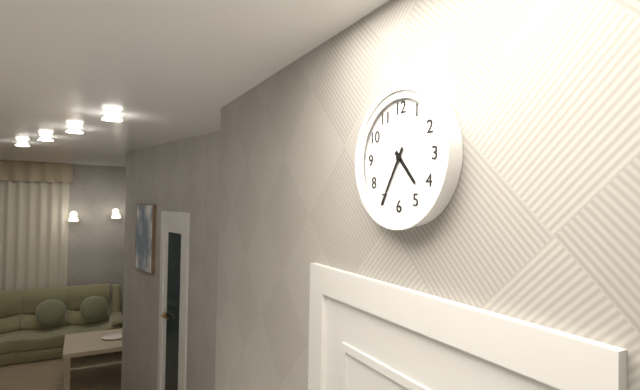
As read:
**4:35**
